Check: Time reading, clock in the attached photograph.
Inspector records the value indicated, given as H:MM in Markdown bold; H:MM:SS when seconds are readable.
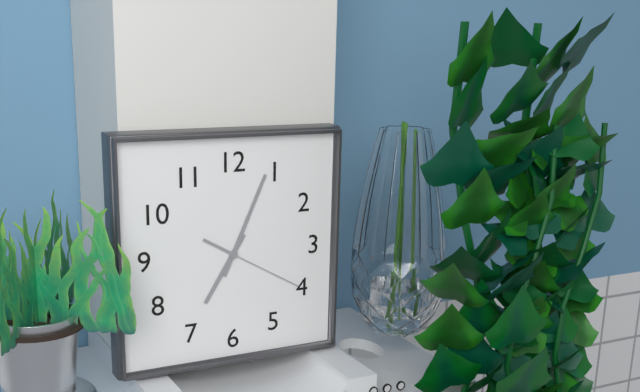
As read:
**7:04:20**
